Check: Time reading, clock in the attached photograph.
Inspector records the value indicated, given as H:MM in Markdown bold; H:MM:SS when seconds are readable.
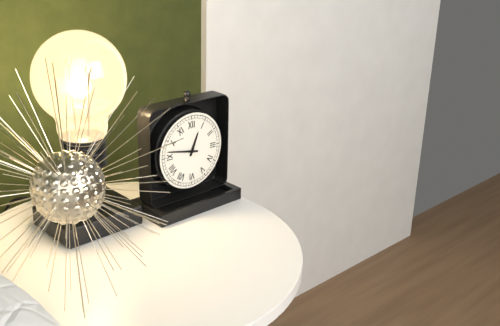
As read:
**12:47**
